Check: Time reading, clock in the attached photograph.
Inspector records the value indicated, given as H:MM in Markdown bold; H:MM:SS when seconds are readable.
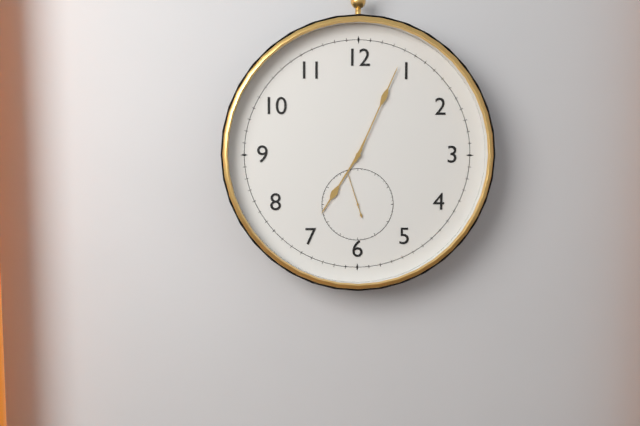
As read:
**7:04**
